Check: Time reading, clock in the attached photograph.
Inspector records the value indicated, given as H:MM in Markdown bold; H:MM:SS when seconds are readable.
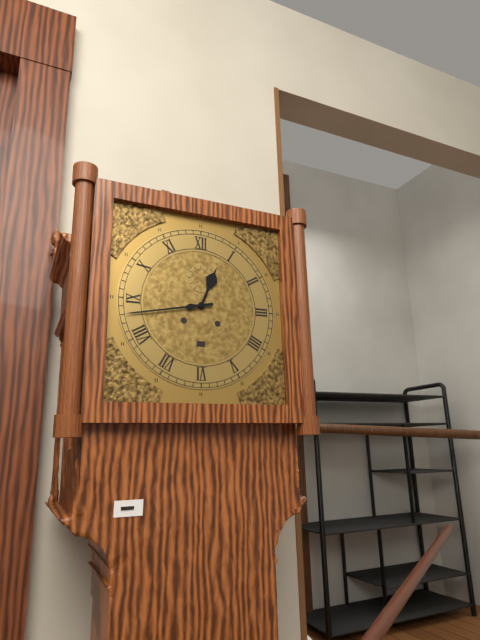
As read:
**12:43**
